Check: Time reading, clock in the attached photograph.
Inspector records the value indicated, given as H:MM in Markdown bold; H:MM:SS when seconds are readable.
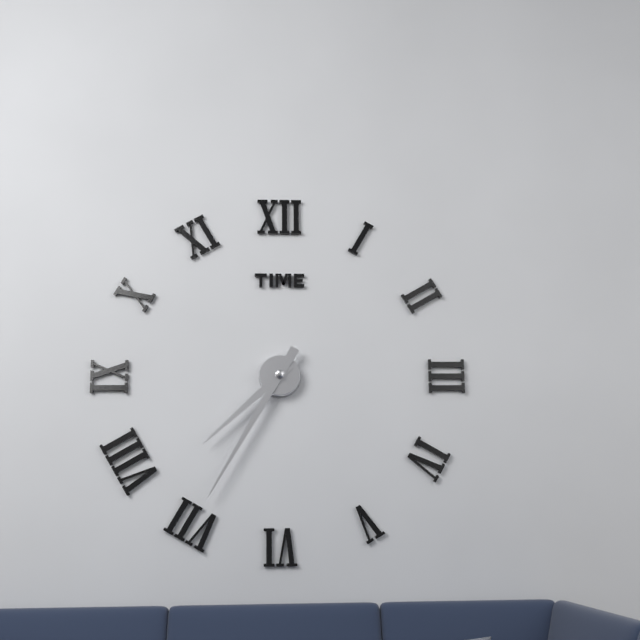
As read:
**7:35**
